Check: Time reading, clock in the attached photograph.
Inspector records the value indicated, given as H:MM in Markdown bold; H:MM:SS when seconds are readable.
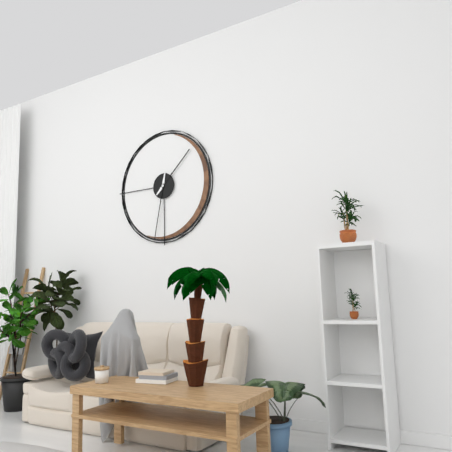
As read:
**1:32**
